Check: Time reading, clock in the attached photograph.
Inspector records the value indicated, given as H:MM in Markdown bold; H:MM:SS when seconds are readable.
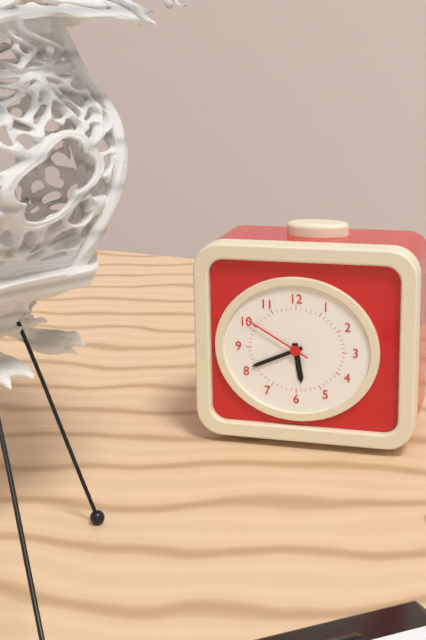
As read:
**5:41:50**
